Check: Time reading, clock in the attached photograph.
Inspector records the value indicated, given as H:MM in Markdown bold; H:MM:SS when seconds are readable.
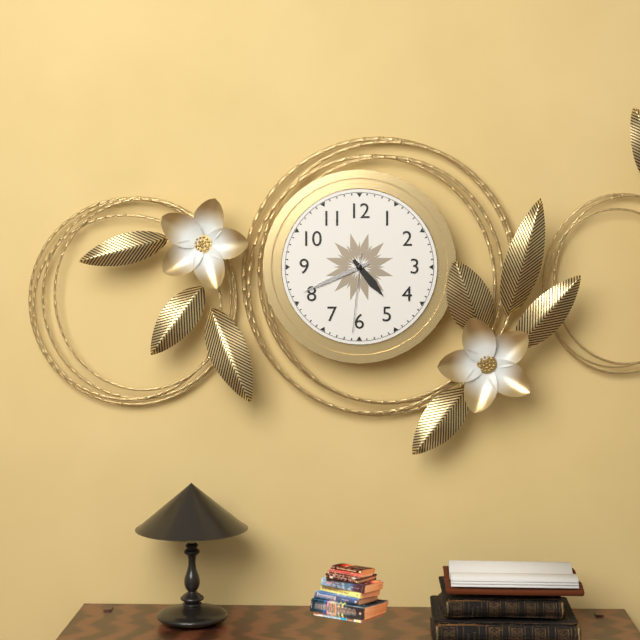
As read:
**4:41:31**
